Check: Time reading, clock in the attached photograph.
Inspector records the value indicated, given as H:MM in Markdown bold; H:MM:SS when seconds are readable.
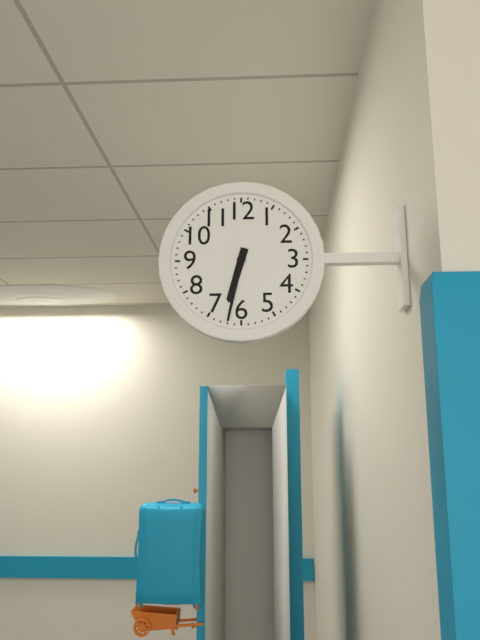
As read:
**6:32**
